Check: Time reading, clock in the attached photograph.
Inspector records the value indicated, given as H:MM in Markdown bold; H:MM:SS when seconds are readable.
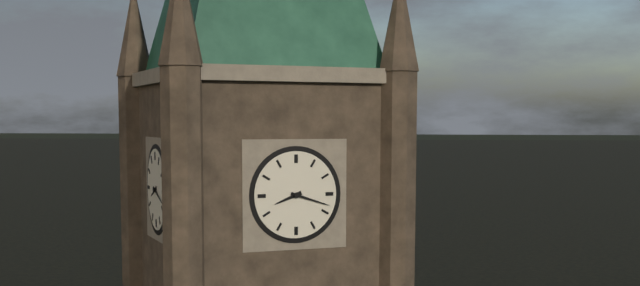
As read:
**8:18**
